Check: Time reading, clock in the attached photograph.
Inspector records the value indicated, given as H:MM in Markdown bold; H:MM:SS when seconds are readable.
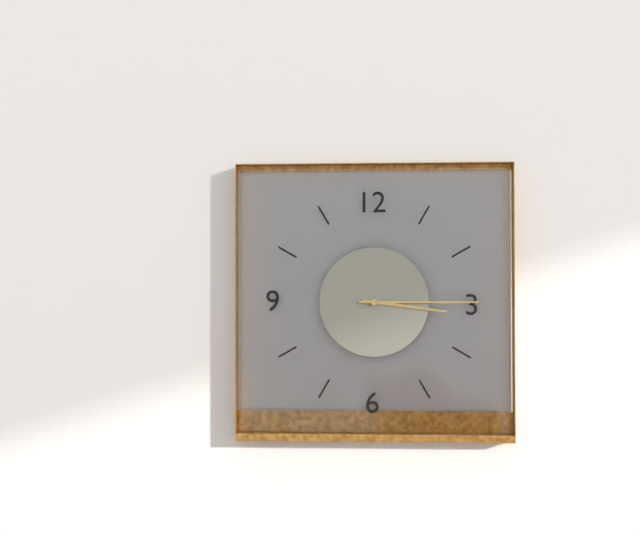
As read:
**3:15**
